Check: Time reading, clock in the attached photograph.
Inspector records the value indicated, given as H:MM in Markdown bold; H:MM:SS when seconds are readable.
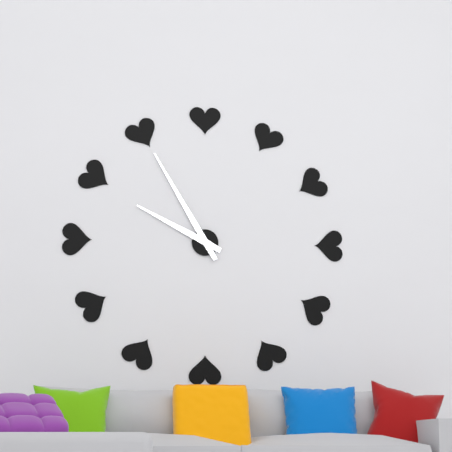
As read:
**9:55**
